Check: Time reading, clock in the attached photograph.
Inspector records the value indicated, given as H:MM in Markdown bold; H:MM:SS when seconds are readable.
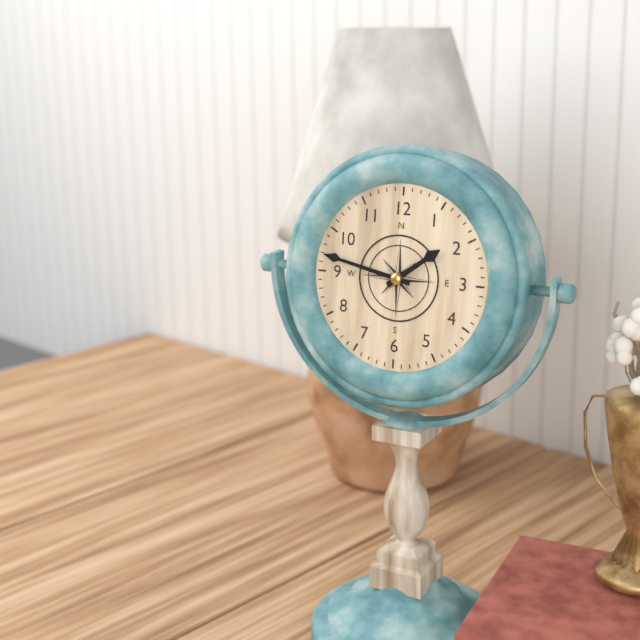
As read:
**1:47**
